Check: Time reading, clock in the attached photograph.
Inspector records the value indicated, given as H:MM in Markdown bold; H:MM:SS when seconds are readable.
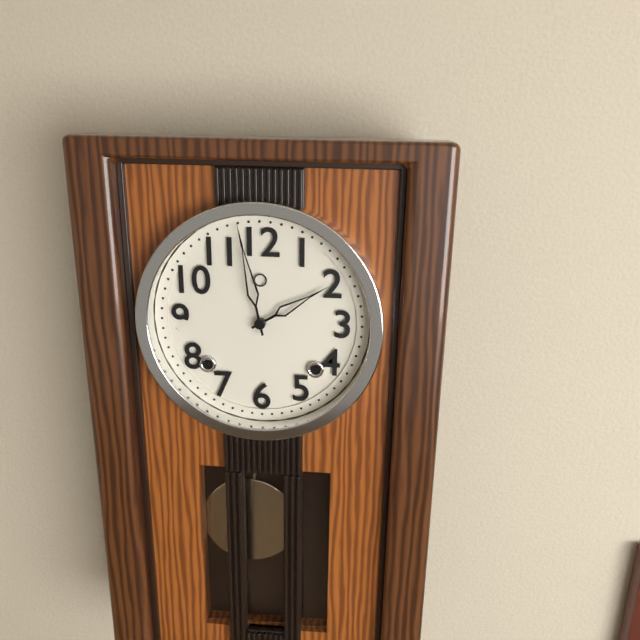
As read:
**1:58**
